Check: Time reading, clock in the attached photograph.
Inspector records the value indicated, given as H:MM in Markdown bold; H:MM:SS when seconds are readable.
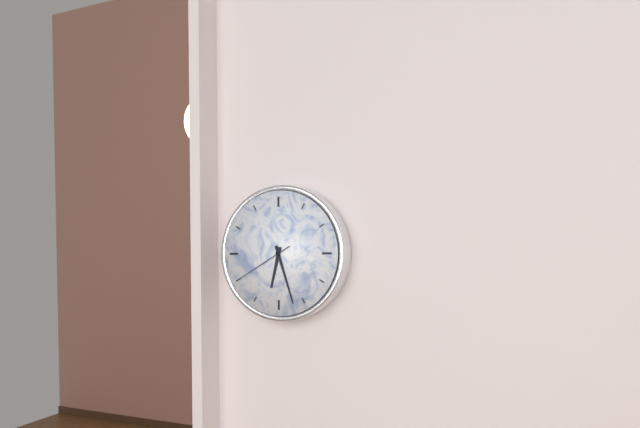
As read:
**6:27:40**
